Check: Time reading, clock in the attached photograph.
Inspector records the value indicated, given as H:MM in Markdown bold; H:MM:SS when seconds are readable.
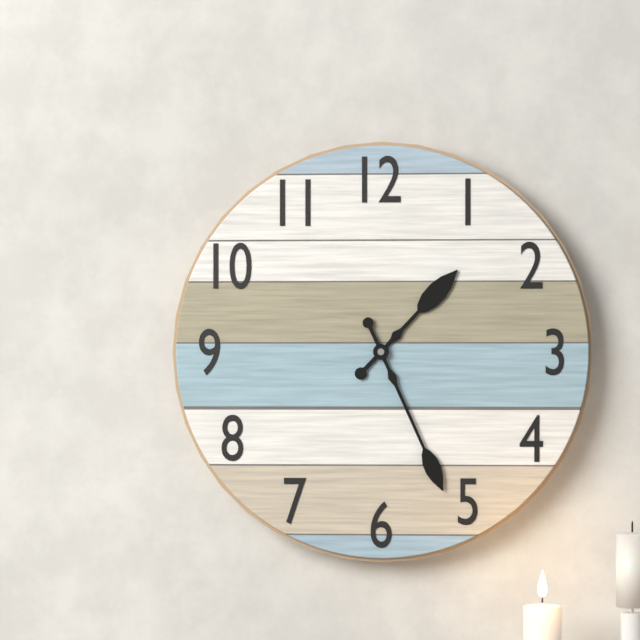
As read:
**1:26**
